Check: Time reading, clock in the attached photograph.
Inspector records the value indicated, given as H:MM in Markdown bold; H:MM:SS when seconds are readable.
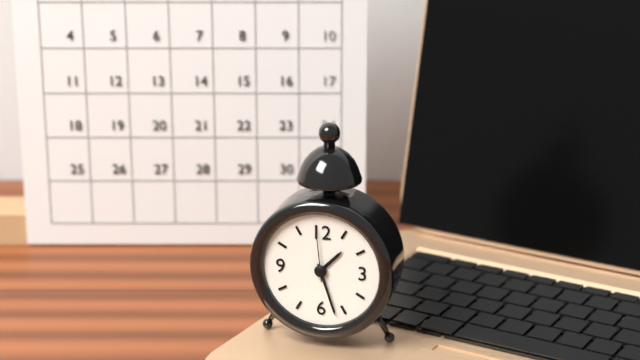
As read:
**1:27**
